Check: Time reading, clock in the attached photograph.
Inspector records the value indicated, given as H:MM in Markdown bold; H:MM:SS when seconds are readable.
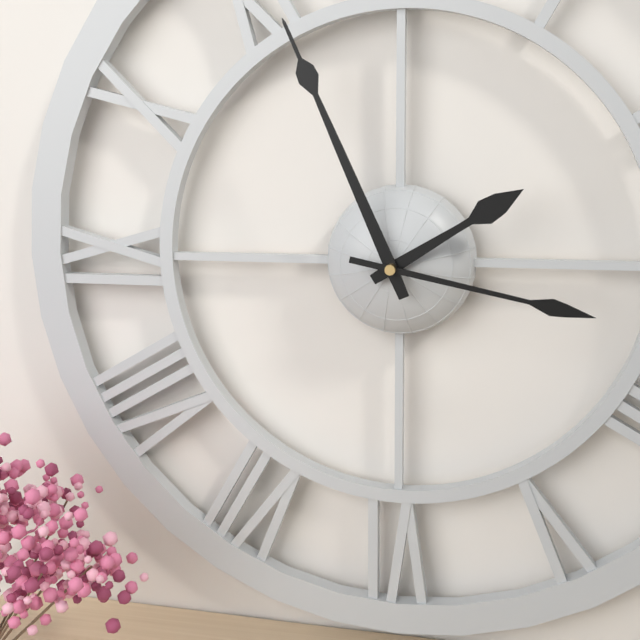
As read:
**1:56:17**
